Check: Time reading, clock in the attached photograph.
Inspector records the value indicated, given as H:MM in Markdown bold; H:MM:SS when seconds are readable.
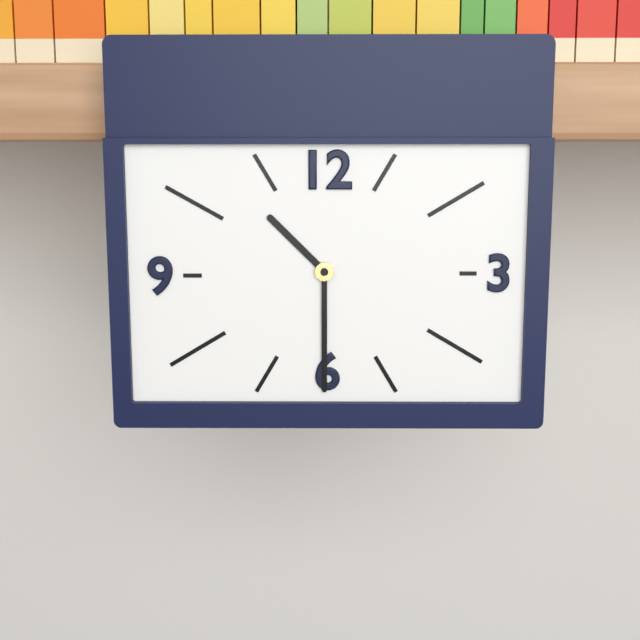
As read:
**10:30**
